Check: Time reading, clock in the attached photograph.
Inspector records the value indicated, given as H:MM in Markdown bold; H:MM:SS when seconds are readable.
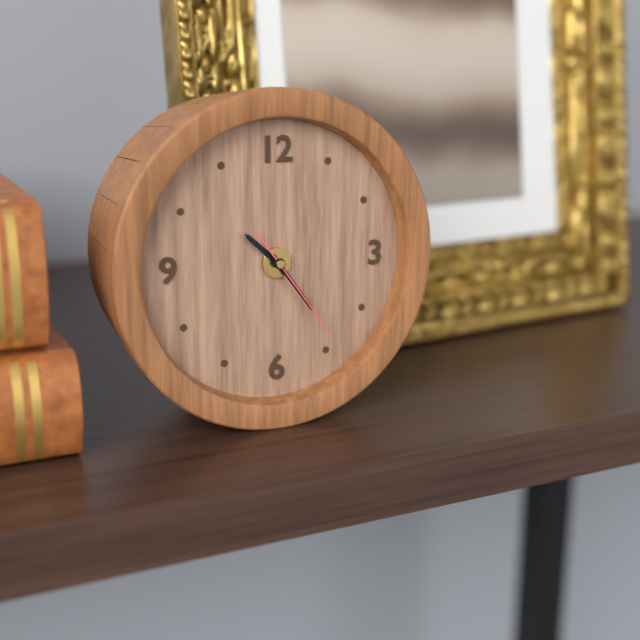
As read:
**10:24:24**
